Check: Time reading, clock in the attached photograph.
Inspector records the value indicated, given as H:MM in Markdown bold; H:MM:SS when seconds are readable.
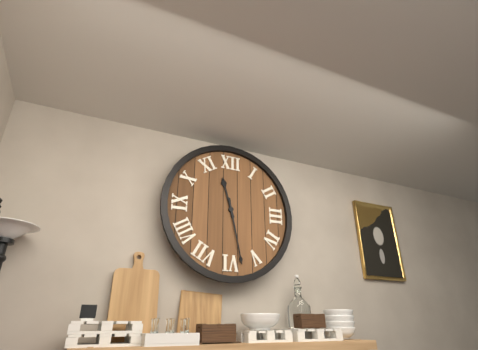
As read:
**11:28**
